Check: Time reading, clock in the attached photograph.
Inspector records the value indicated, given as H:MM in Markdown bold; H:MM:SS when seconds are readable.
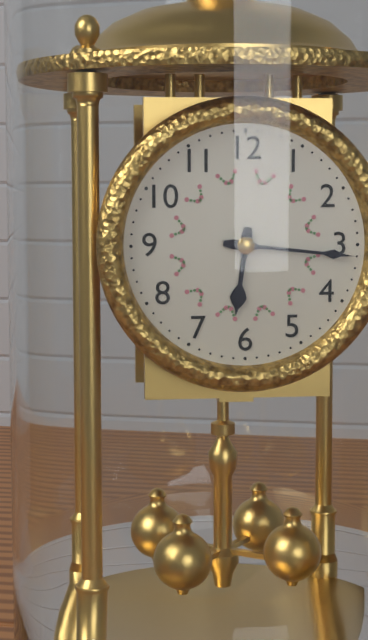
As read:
**6:16**
